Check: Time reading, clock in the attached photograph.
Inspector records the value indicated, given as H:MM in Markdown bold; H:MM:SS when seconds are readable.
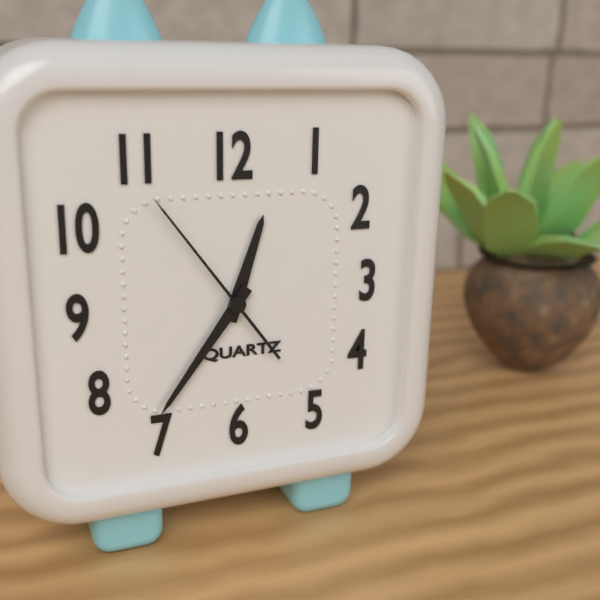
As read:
**12:36:54**
